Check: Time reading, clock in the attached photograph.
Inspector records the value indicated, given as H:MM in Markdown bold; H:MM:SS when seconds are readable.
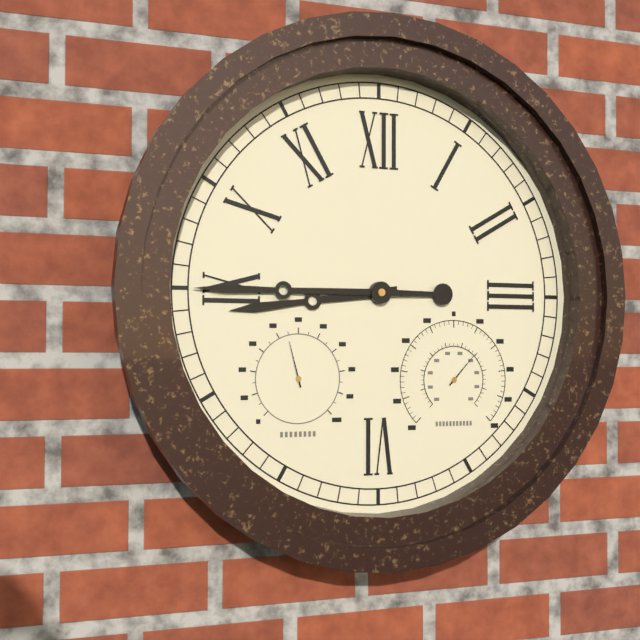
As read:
**8:45**
